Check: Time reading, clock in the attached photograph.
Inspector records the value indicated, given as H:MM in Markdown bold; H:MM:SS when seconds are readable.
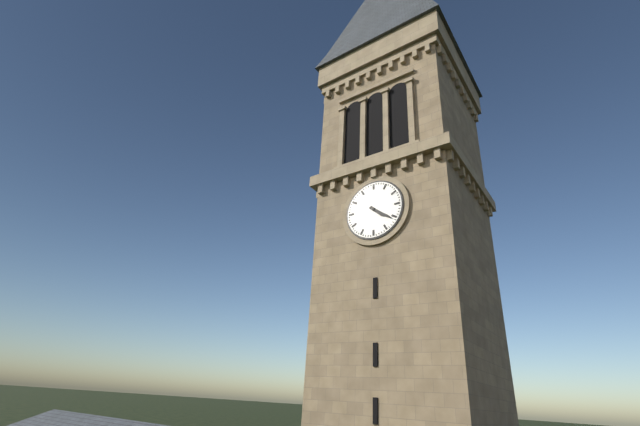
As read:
**4:21**
